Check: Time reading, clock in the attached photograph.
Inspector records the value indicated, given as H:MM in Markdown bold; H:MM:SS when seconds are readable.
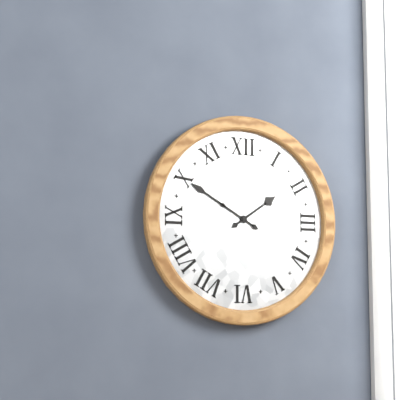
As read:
**1:50**
